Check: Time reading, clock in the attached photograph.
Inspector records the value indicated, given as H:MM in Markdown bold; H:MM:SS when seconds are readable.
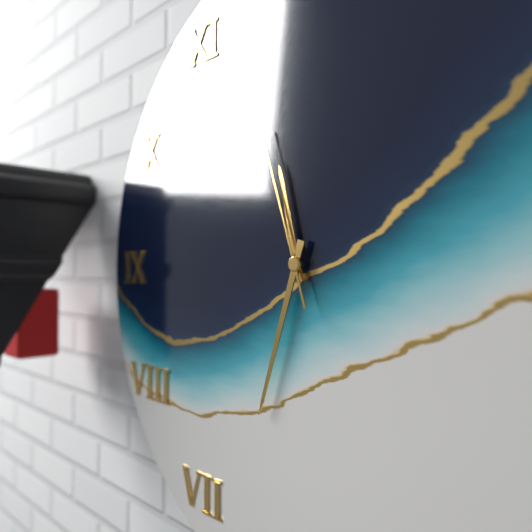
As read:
**11:33:57**
